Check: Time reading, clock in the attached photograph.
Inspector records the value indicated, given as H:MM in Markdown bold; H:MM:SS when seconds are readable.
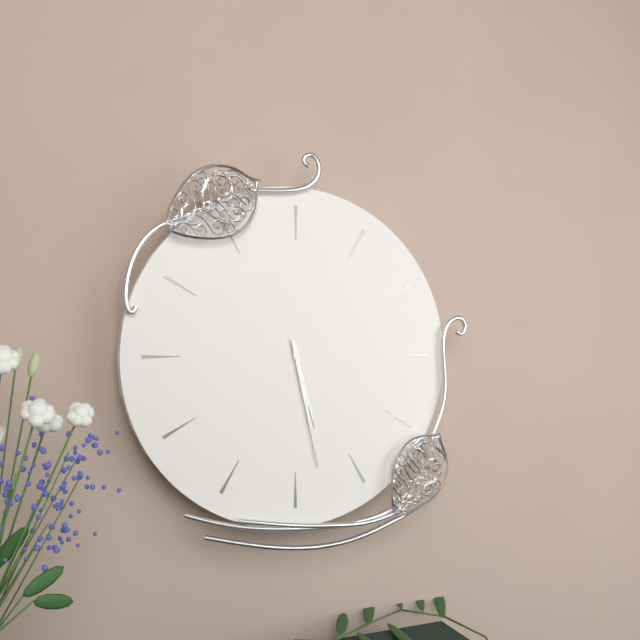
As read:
**5:28**
